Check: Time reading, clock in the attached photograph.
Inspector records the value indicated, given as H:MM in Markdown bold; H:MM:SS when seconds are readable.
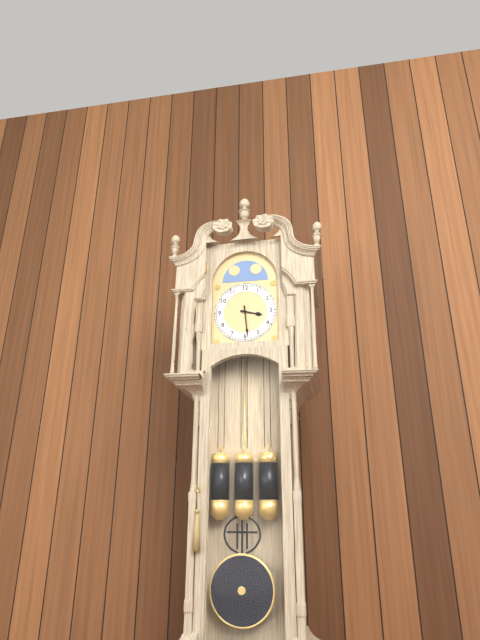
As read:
**3:29**
